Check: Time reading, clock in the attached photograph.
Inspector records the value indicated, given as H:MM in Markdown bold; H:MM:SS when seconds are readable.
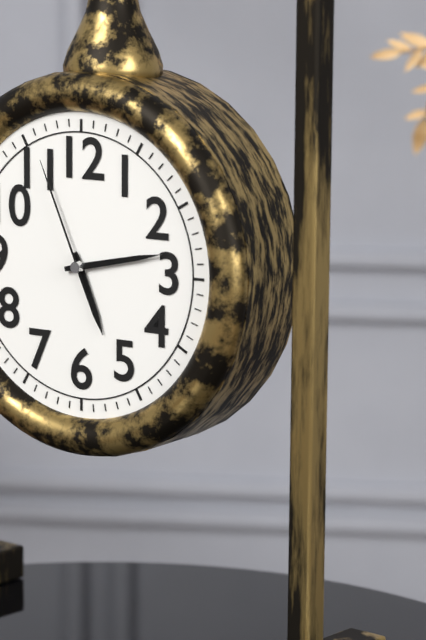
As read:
**5:13:56**
